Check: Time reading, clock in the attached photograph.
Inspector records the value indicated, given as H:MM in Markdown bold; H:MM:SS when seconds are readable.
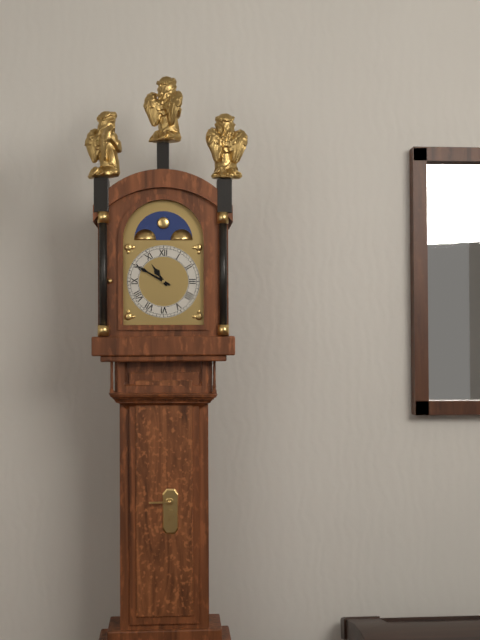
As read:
**10:50**
